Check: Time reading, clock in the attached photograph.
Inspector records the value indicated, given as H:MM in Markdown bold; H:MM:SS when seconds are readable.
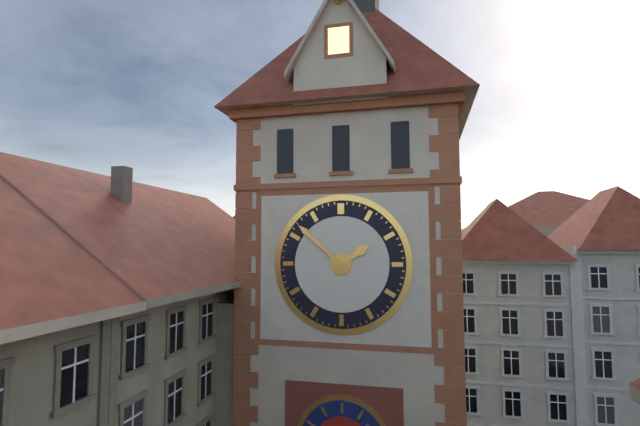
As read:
**1:52**
